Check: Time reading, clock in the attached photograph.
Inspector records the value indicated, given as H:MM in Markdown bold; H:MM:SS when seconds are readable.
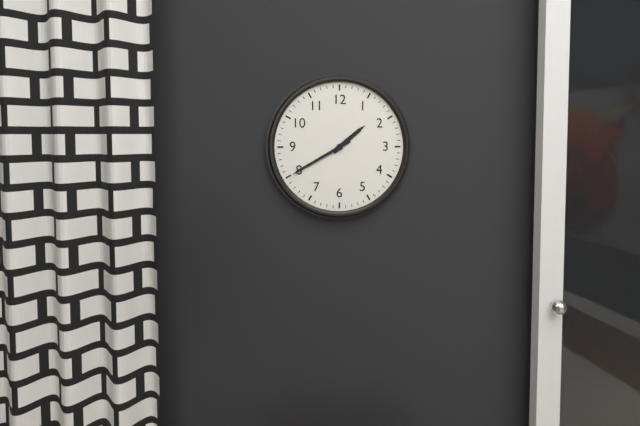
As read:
**1:40**
